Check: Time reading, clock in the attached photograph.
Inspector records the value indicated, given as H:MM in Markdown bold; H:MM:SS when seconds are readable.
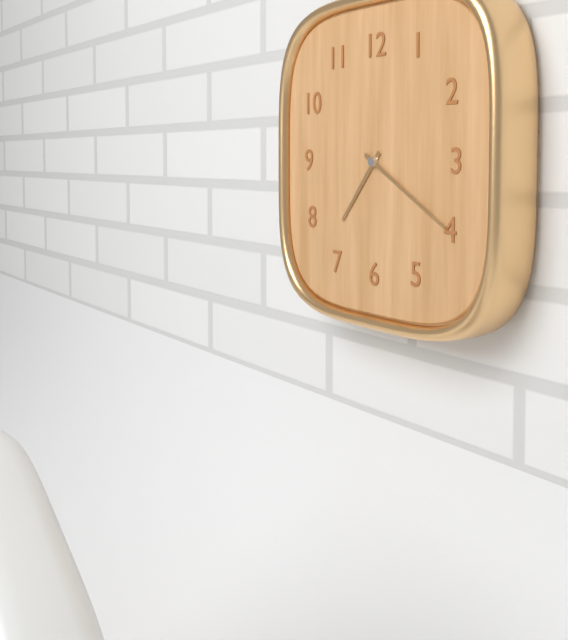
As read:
**7:20**
